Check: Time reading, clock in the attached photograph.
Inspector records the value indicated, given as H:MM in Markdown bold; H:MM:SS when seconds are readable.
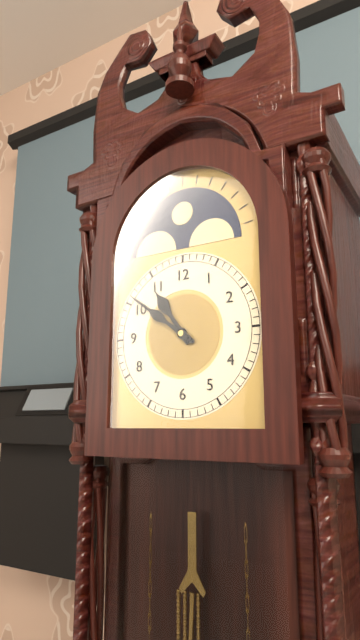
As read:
**10:51**
